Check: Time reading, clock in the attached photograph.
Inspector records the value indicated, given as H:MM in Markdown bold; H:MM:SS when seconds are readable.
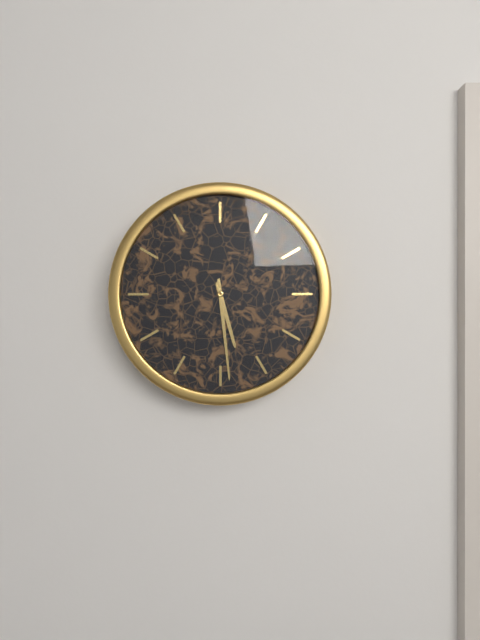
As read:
**5:29**
